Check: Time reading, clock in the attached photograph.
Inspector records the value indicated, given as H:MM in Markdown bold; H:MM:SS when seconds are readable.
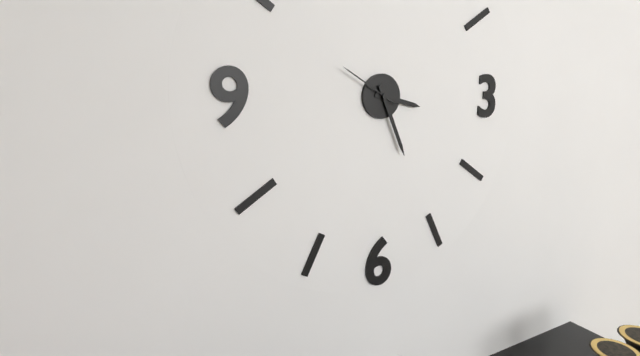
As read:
**3:26:50**
